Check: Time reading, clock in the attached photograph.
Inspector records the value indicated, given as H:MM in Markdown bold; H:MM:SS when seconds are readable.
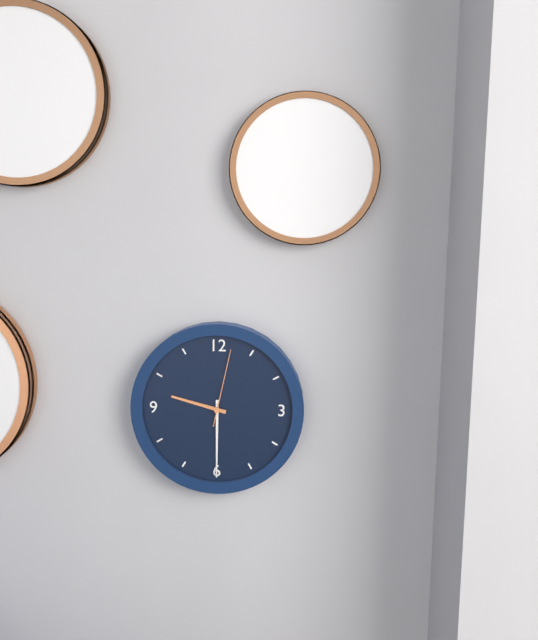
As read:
**9:30:02**
